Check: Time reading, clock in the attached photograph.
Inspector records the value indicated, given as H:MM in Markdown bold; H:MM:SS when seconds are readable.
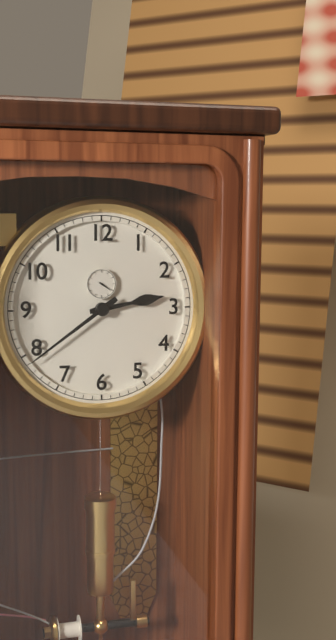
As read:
**2:39**
